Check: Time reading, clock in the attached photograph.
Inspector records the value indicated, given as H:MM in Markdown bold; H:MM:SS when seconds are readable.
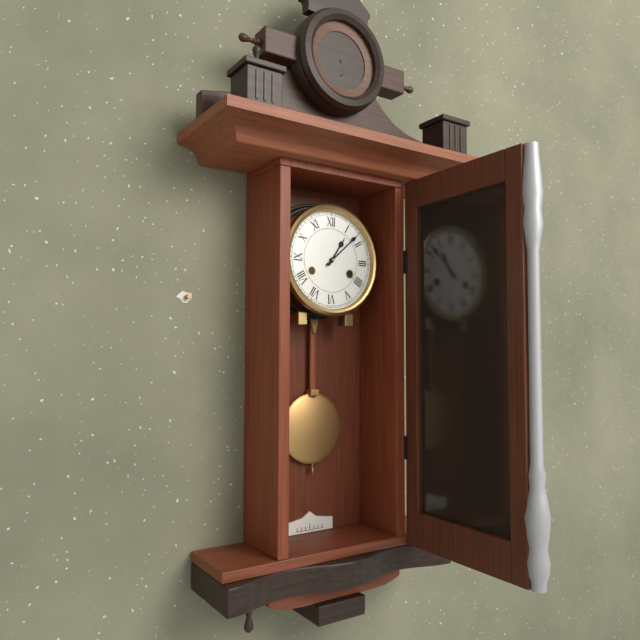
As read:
**1:08**
